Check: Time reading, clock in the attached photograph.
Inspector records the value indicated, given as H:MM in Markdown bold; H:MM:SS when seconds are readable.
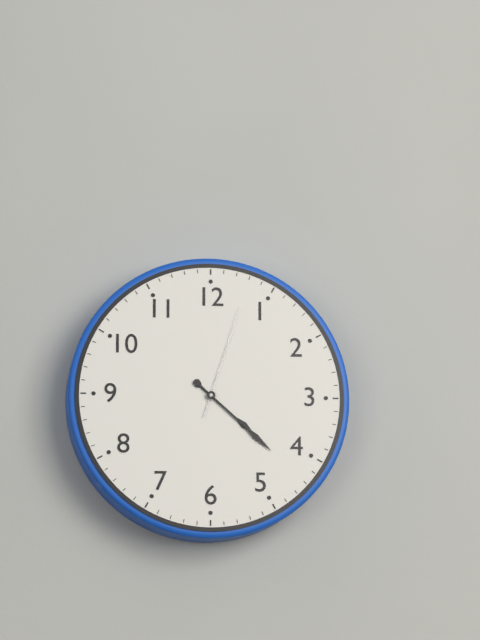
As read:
**4:22:03**
